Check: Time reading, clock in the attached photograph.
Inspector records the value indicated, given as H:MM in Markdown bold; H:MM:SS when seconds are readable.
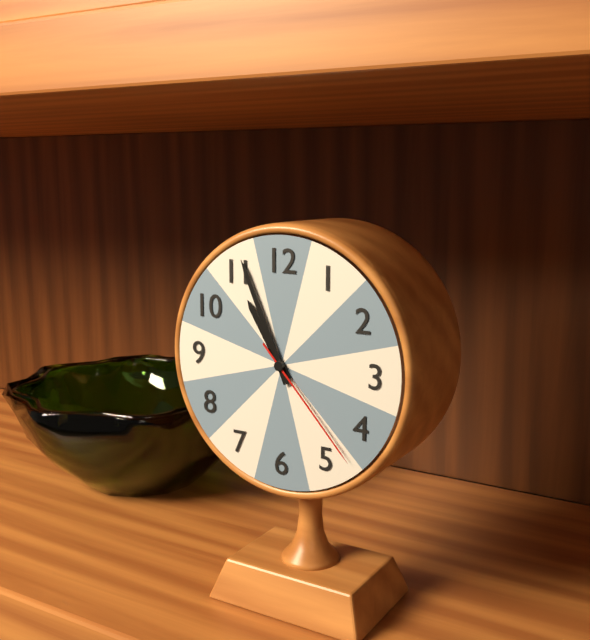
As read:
**10:56:23**
